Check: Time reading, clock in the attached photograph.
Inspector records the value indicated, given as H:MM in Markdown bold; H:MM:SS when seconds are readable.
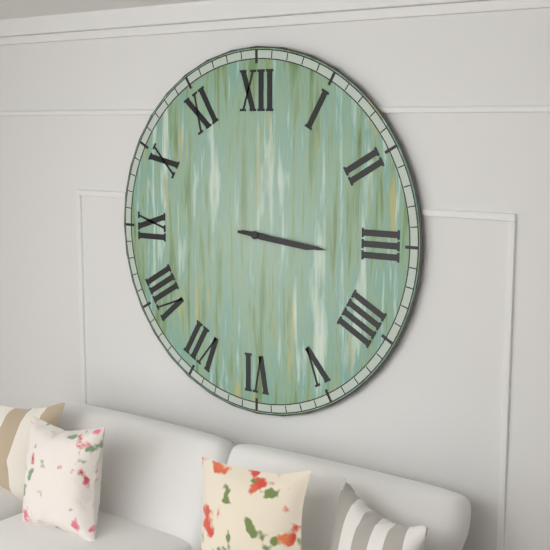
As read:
**3:16**
